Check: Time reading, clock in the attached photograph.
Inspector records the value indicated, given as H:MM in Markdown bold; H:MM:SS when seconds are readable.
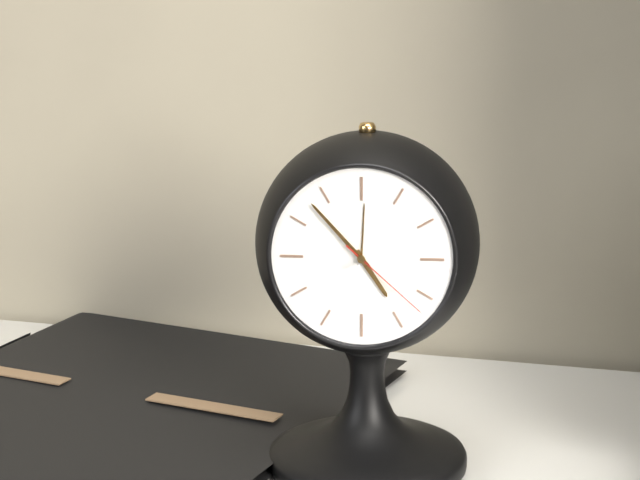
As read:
**4:53:22**
